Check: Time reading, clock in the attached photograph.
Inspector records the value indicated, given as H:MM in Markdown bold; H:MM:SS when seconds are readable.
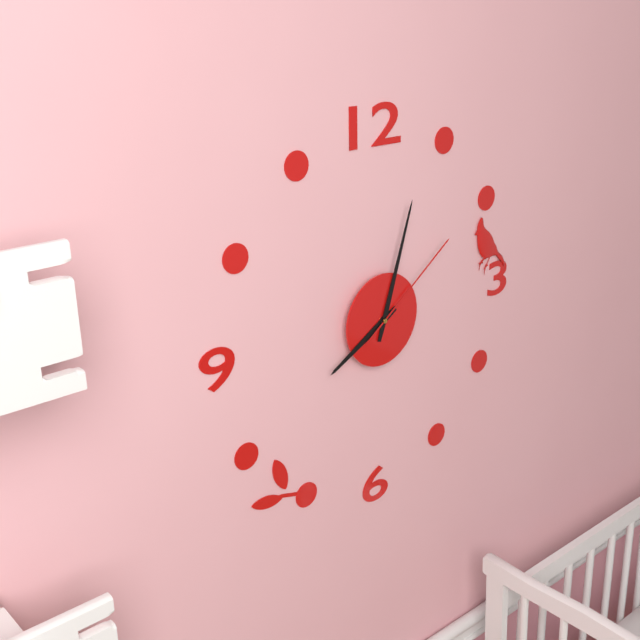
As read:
**8:03:09**
